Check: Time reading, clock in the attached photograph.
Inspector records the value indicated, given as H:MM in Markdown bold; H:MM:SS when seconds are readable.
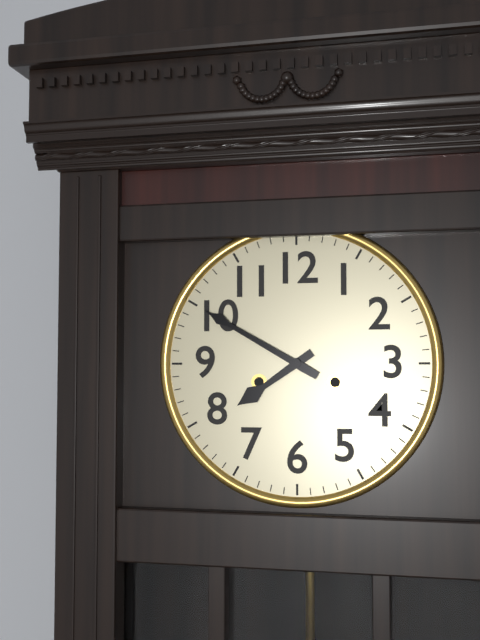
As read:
**7:50**
